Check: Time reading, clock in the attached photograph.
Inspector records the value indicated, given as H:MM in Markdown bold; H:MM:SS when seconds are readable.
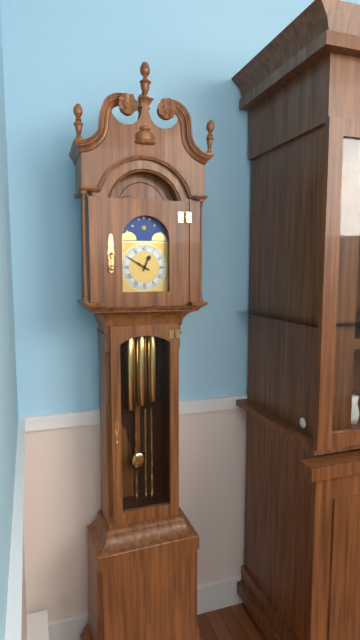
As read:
**12:50**
